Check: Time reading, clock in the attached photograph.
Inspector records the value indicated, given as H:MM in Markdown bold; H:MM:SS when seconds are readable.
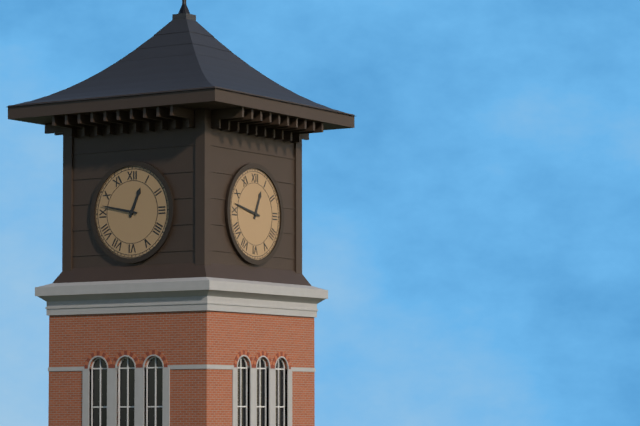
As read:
**12:47**
